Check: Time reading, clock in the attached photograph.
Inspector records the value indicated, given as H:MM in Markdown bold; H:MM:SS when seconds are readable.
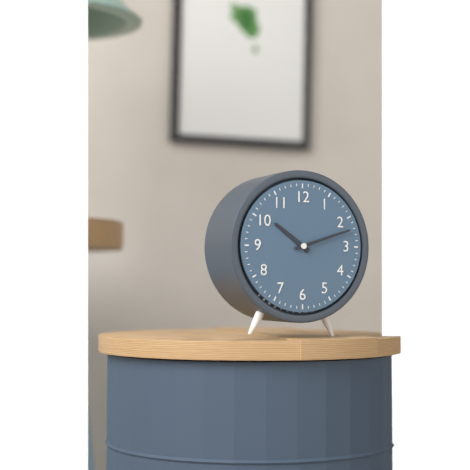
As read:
**10:12**
